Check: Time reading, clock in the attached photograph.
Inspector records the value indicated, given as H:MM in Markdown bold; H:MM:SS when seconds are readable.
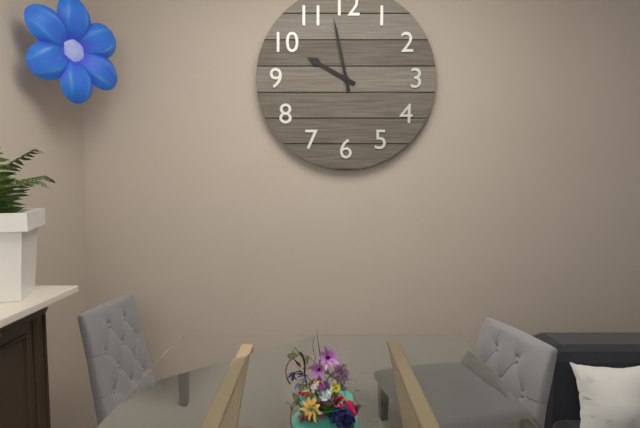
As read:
**9:58**
